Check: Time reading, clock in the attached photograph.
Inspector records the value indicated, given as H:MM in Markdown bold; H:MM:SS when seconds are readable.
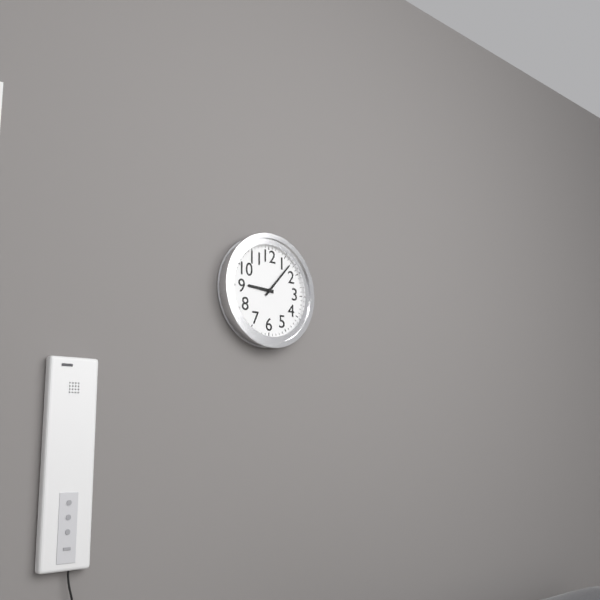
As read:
**9:07**
